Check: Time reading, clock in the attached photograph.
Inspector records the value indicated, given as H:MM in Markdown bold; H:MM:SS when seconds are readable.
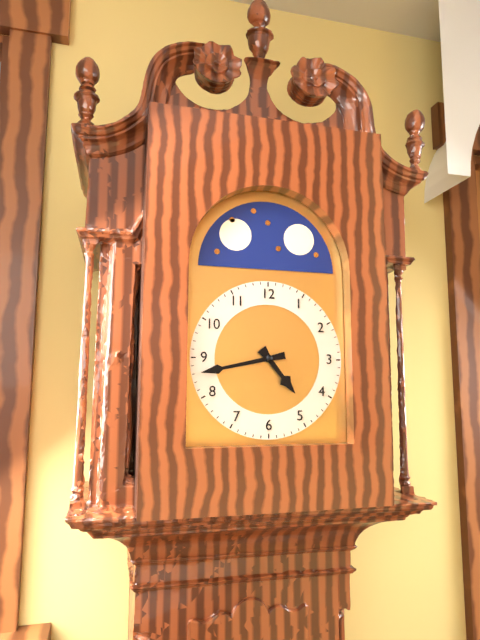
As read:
**4:43**
